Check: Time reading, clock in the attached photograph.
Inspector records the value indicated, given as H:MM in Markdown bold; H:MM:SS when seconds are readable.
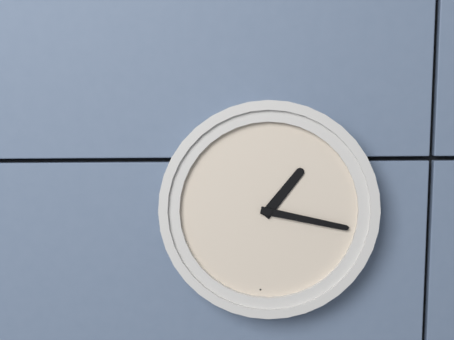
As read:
**1:17**
